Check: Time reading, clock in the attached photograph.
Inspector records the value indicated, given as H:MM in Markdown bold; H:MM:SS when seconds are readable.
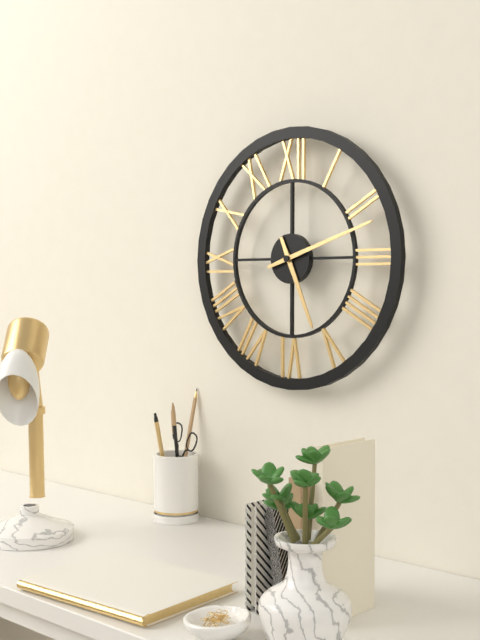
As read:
**5:12**
